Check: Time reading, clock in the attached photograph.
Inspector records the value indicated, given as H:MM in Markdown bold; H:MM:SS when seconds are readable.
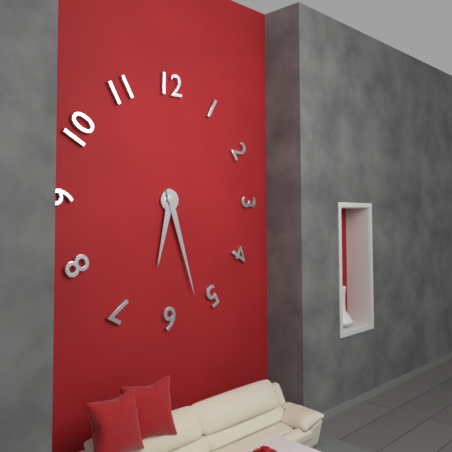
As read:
**6:27**
